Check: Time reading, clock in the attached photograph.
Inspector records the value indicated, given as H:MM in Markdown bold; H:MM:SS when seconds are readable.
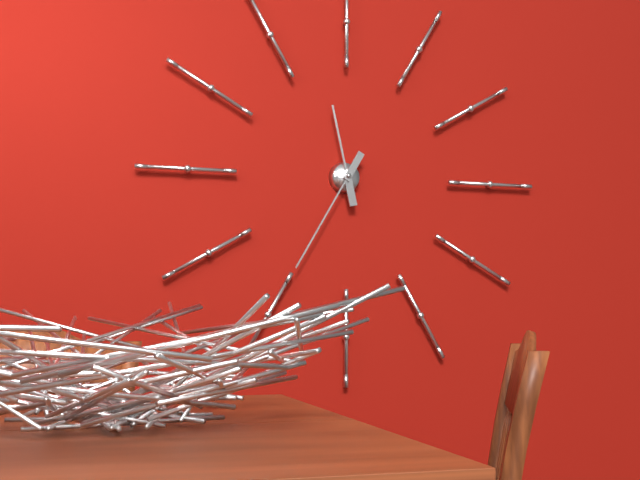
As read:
**11:35**
